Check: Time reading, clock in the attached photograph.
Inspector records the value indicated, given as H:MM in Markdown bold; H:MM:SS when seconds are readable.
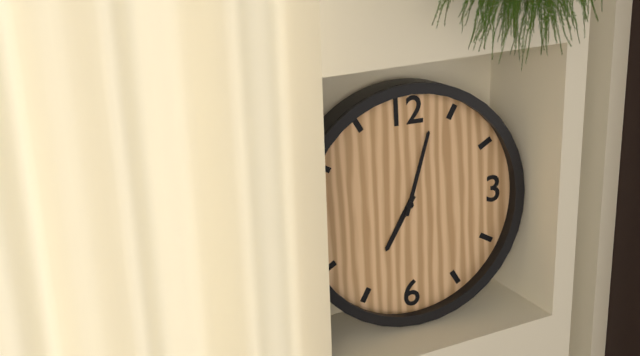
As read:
**7:03**
